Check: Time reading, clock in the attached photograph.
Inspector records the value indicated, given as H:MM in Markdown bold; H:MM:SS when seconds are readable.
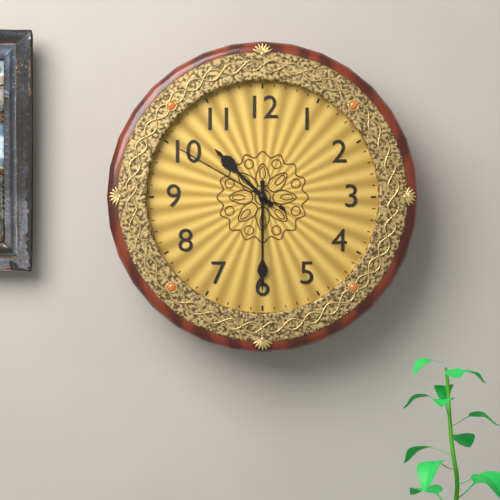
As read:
**10:30:50**
